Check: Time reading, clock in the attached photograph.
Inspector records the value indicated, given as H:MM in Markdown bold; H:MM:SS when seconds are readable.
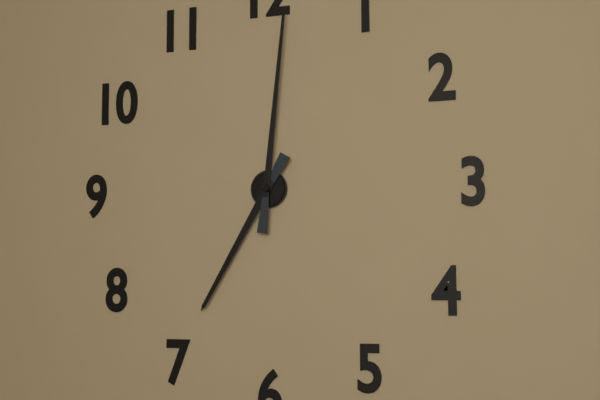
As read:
**7:01**
